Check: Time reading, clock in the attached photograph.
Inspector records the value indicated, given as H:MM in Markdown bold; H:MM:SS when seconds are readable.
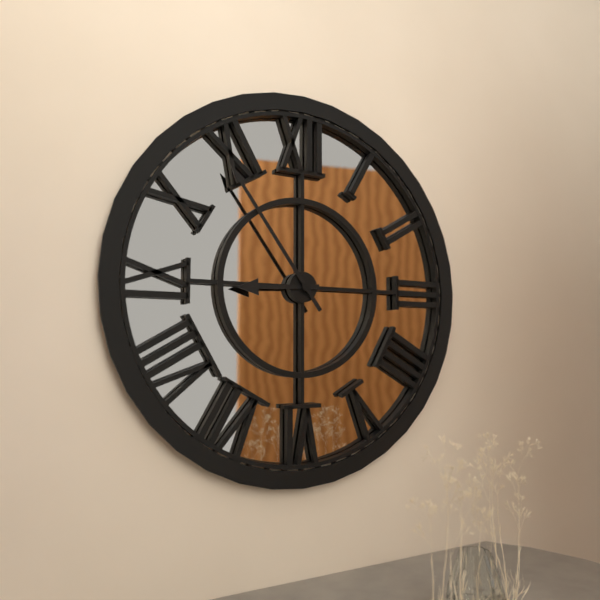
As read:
**8:54**
